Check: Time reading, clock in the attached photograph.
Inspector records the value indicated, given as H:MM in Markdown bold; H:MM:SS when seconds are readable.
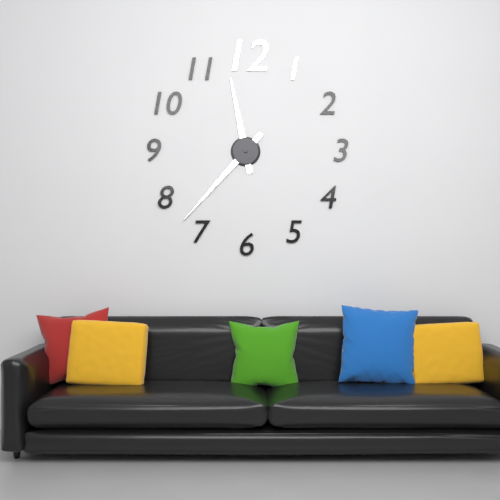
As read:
**11:37**
